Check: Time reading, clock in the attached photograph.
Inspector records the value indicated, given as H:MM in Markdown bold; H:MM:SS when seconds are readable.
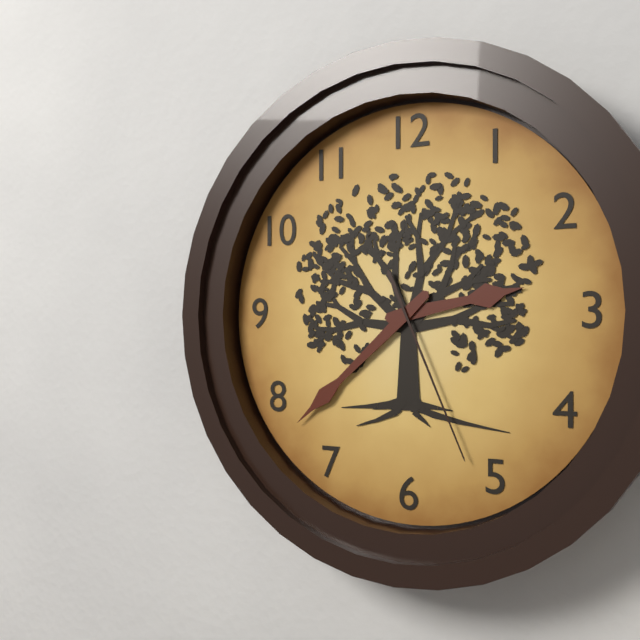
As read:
**2:38:26**
